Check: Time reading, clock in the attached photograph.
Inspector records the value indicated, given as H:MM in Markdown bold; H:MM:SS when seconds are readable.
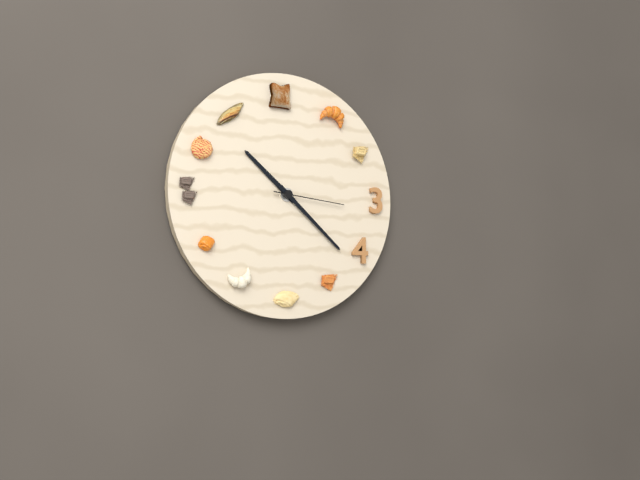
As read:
**10:22:16**
